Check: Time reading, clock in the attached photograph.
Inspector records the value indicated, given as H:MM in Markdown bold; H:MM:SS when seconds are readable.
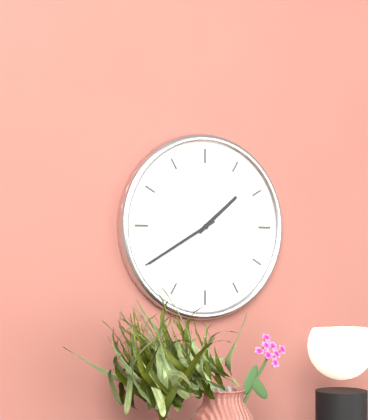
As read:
**1:40**
